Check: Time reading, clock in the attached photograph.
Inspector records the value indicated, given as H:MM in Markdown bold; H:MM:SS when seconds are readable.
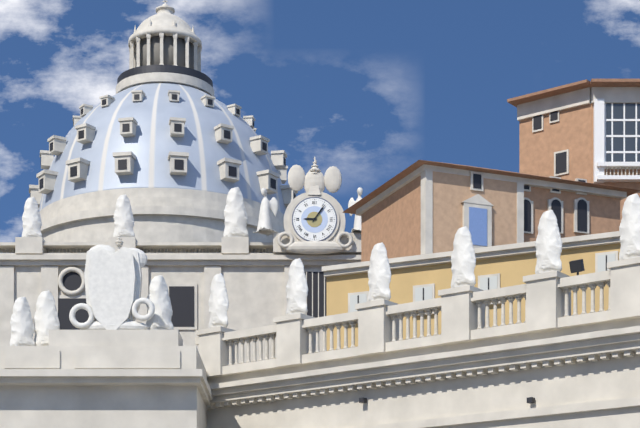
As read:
**9:06**
